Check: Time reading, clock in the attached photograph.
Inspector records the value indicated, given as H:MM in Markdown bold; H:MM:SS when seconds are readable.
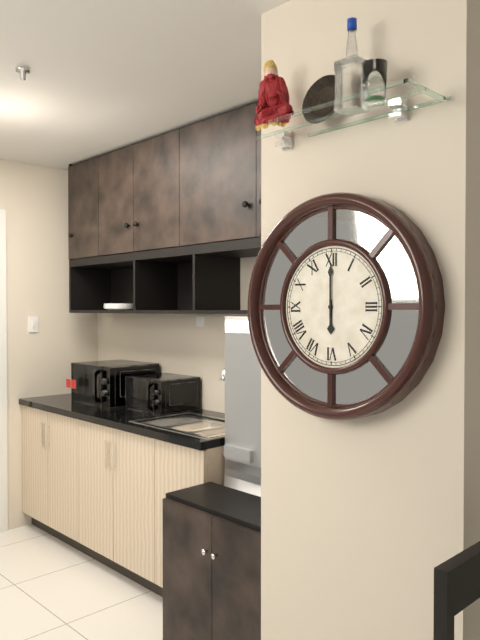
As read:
**6:00**
